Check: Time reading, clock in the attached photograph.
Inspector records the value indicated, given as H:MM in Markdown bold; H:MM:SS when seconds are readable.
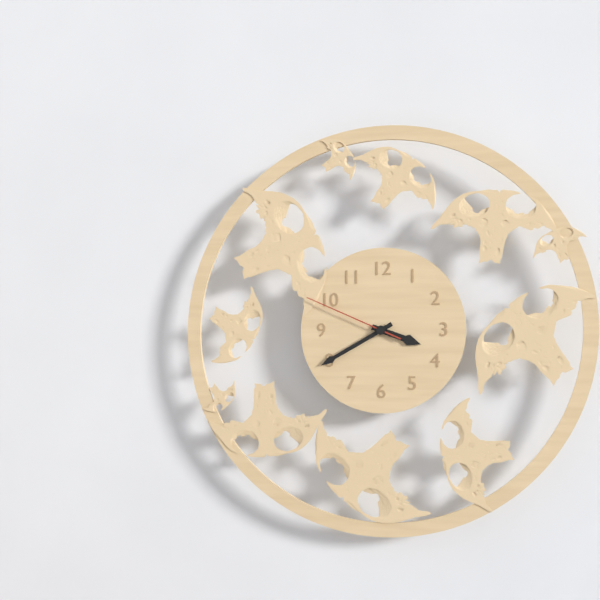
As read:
**3:40:49**
